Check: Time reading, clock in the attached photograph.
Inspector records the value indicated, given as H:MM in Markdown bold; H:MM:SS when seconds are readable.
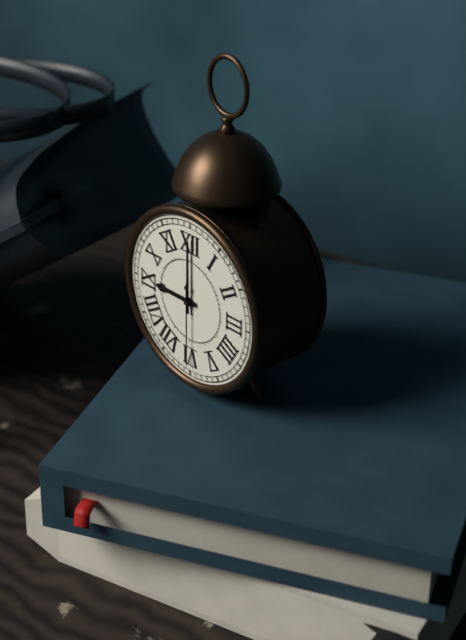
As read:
**9:00:30**
